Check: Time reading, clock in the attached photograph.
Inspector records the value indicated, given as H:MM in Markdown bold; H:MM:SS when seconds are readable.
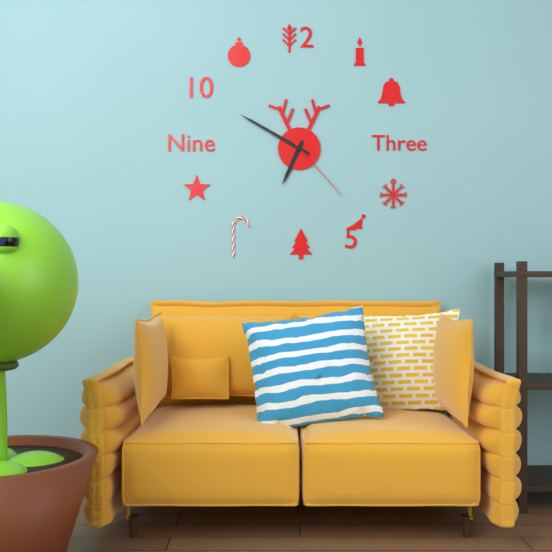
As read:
**6:50:23**
